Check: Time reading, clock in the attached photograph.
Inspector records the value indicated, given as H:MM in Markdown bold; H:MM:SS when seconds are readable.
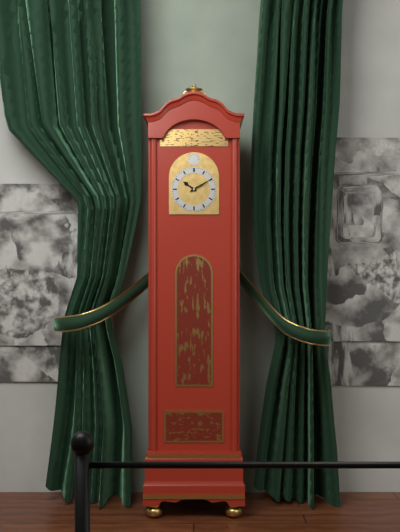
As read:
**10:10**
